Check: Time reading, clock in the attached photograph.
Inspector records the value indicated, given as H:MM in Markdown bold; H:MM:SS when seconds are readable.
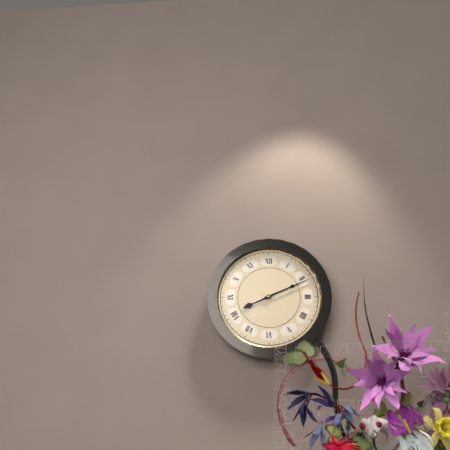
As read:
**8:11**
